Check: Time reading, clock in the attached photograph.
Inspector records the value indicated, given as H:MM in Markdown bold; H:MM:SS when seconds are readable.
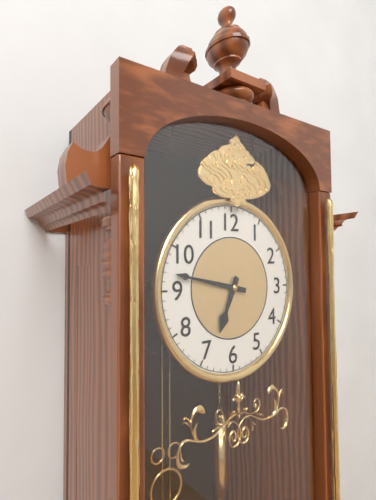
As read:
**6:47**
